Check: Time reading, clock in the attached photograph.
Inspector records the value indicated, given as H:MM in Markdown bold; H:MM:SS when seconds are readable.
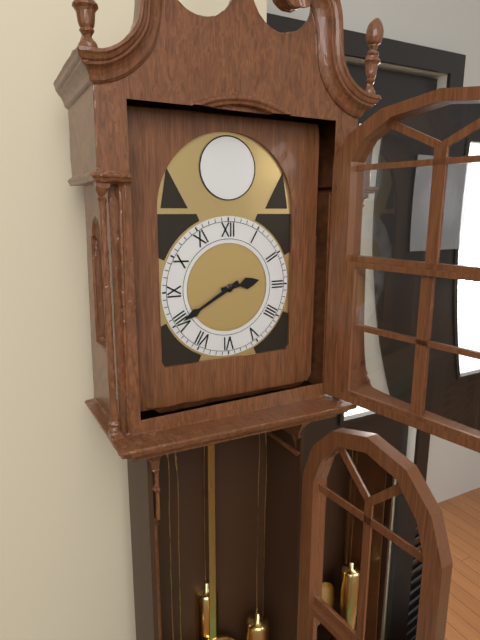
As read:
**2:40**
